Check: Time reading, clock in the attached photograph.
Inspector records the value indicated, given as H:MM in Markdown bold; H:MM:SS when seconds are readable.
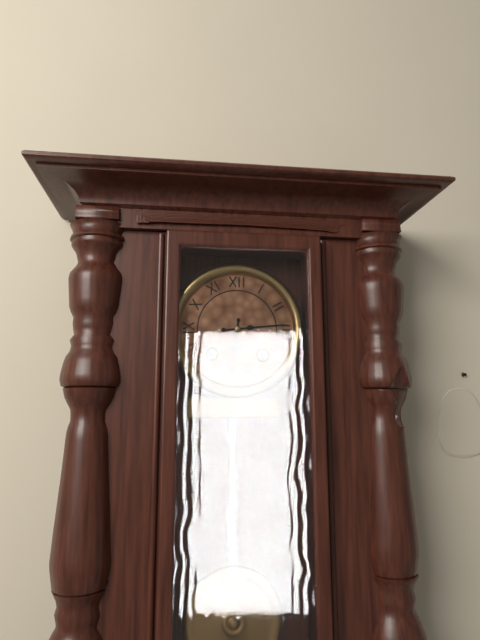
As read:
**6:14**
